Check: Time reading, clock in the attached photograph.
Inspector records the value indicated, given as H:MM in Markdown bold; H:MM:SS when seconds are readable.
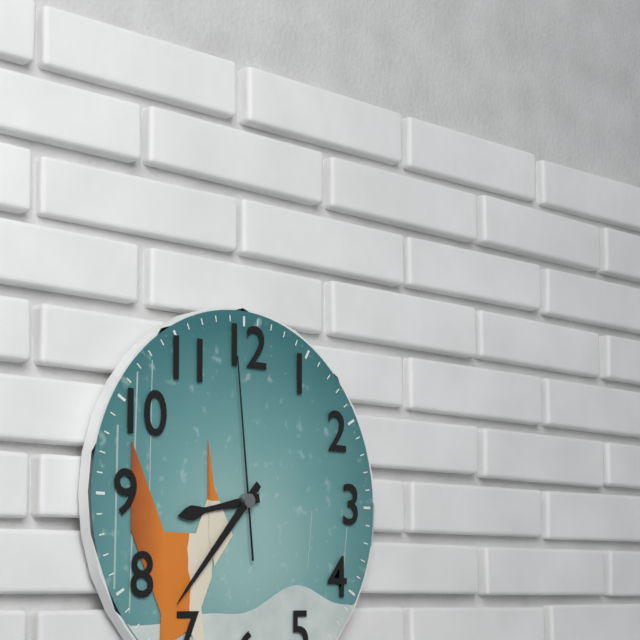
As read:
**8:37:59**
